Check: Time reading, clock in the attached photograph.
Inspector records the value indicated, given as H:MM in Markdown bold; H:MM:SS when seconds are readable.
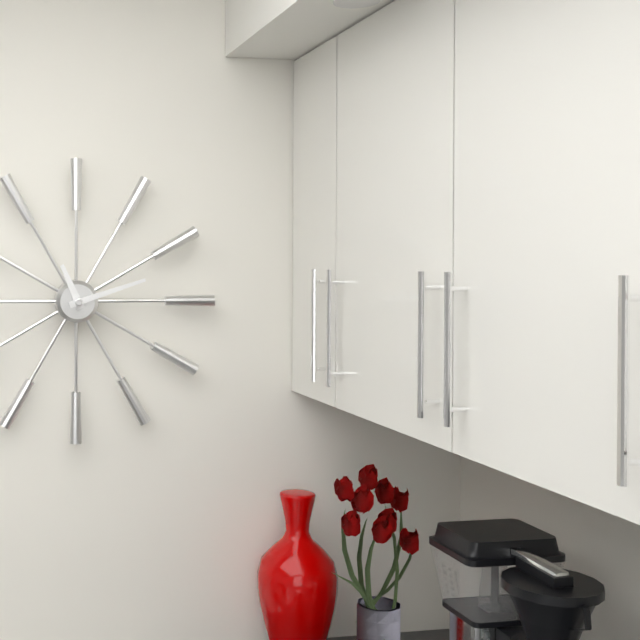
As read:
**11:12**
